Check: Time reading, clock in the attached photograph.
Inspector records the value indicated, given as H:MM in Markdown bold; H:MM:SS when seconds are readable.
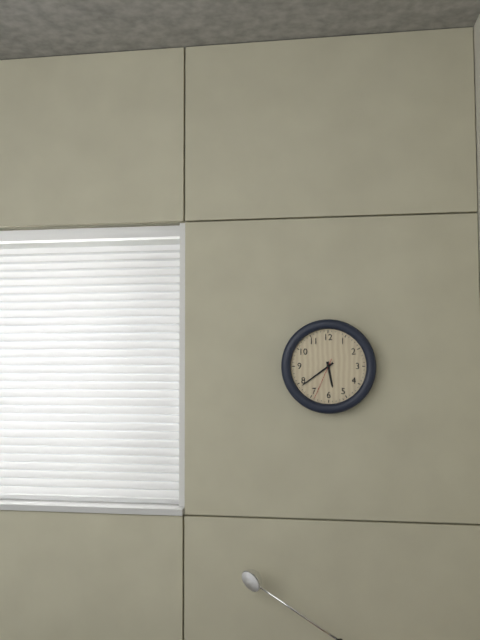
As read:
**5:39**
